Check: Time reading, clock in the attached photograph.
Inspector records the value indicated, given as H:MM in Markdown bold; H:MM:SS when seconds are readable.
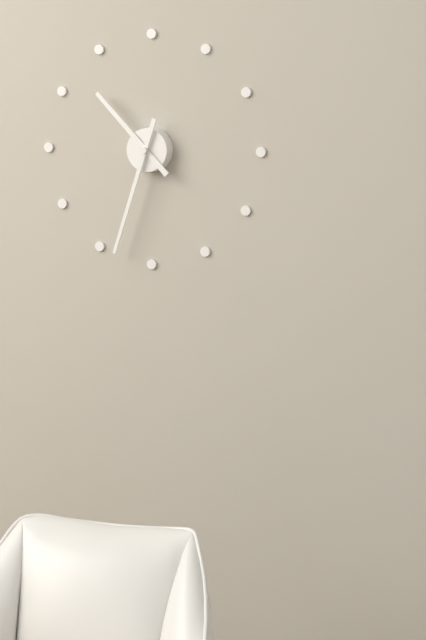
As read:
**10:33**
